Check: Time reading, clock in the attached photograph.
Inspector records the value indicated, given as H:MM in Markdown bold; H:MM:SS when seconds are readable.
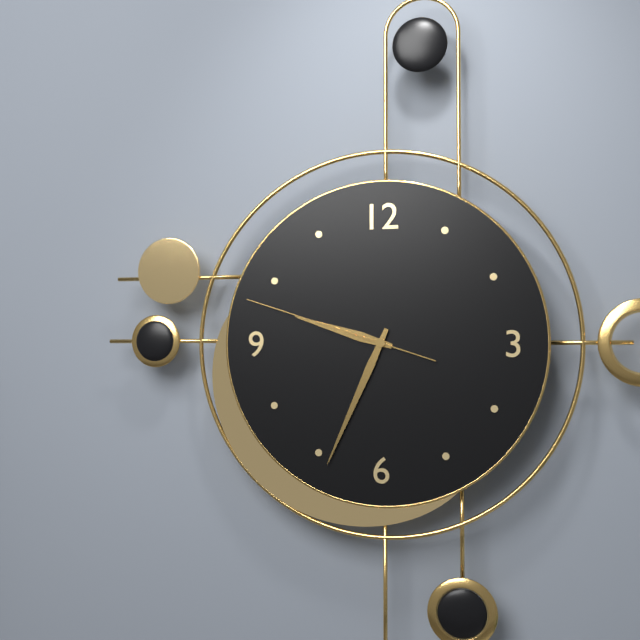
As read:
**9:34:48**
